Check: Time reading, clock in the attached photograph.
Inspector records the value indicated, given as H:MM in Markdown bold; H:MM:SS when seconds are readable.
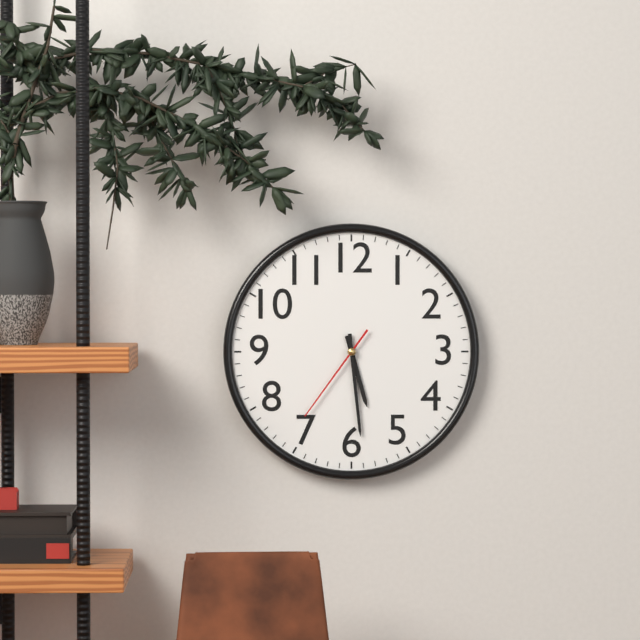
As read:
**5:29:36**
